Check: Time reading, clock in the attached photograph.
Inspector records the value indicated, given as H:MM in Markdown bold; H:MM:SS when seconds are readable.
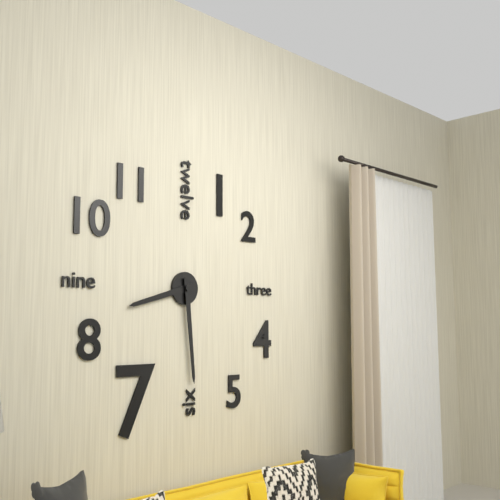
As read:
**8:29**
